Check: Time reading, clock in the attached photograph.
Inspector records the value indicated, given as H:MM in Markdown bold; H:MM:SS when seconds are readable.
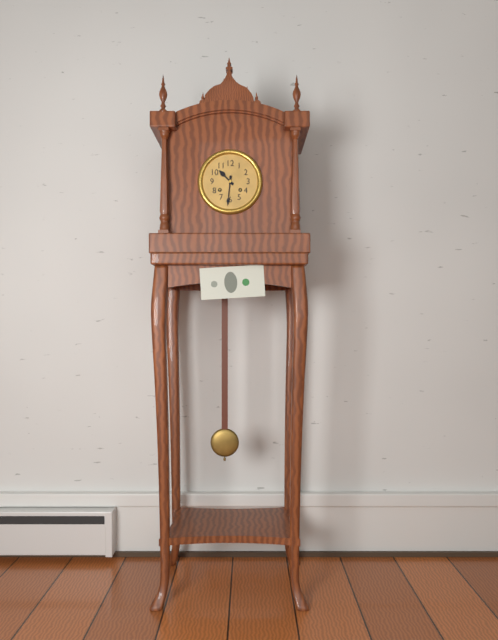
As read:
**10:31**
